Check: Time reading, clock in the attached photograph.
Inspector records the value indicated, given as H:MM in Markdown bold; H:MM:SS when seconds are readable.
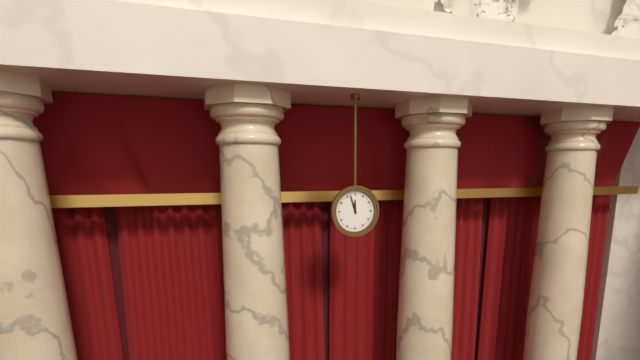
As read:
**11:57**
